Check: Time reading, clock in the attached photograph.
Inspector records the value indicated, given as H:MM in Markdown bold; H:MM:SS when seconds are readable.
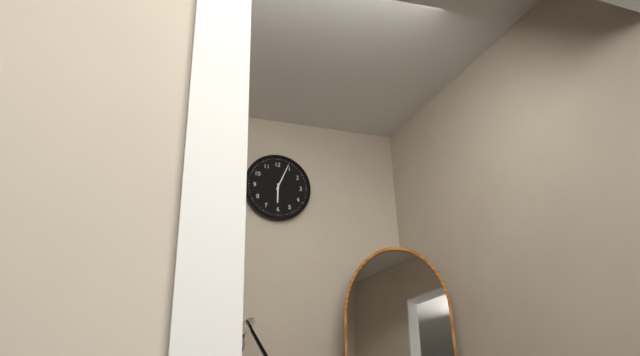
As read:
**6:04**
